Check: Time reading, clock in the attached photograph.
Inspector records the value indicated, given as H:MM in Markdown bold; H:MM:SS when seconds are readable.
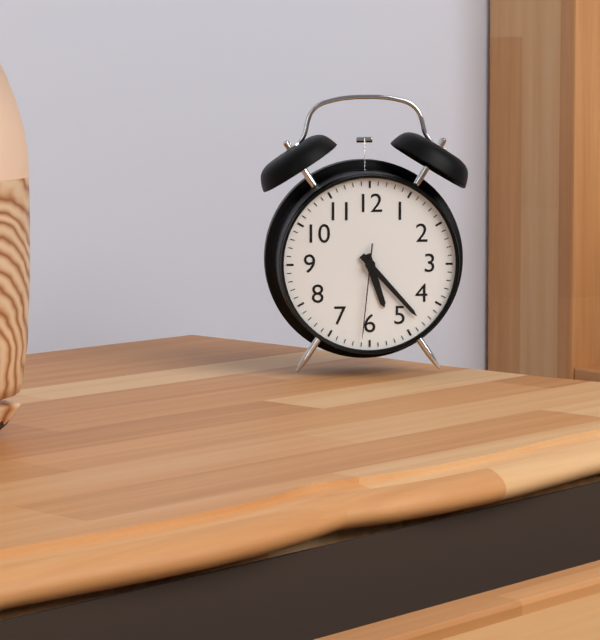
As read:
**5:23:31**
